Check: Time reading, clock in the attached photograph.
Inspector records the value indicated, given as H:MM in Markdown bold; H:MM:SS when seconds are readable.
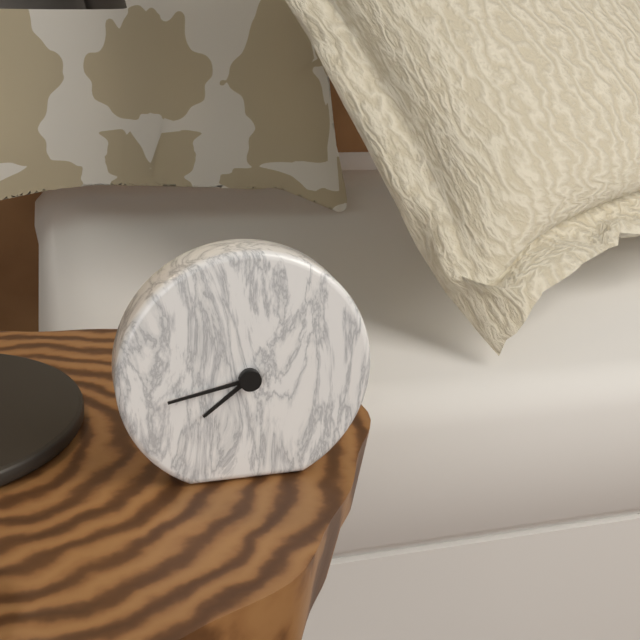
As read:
**7:43**
